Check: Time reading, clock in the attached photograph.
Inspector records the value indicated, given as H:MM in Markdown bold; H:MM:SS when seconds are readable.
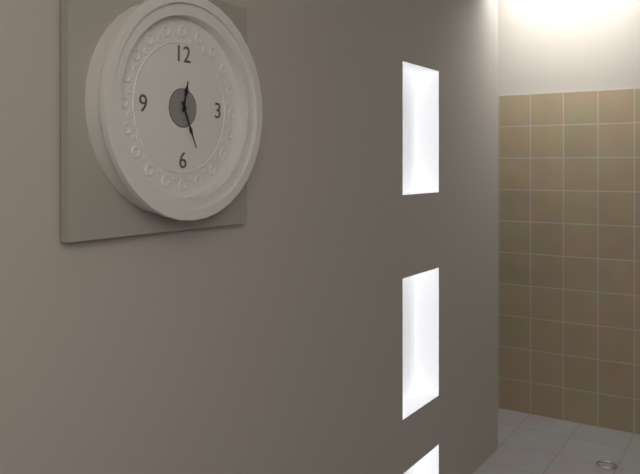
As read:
**12:26**
